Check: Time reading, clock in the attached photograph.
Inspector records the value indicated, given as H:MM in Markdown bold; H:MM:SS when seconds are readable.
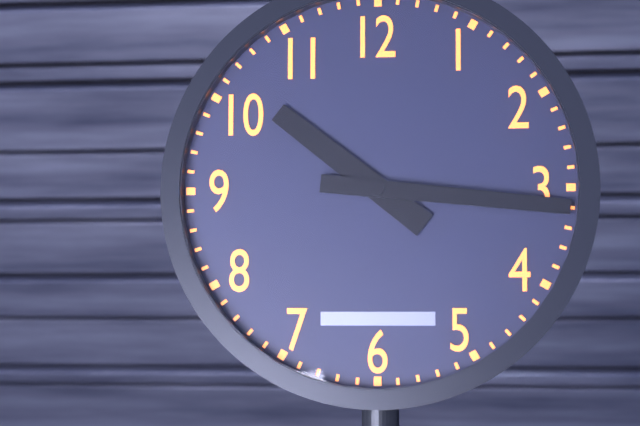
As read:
**10:16**
